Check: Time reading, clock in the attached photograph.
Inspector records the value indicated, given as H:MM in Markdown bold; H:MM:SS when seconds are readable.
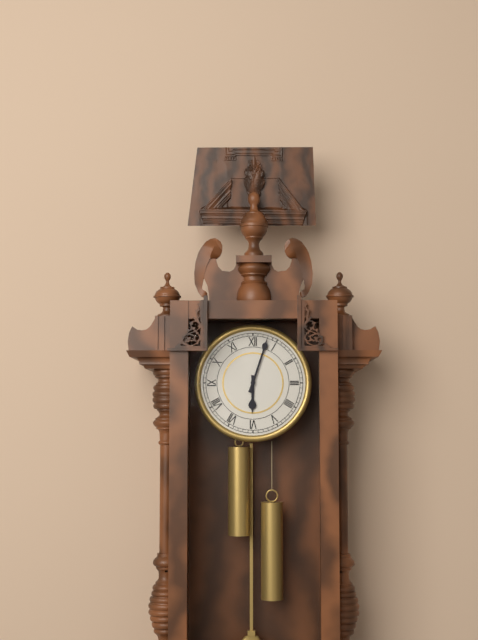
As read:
**6:03**
